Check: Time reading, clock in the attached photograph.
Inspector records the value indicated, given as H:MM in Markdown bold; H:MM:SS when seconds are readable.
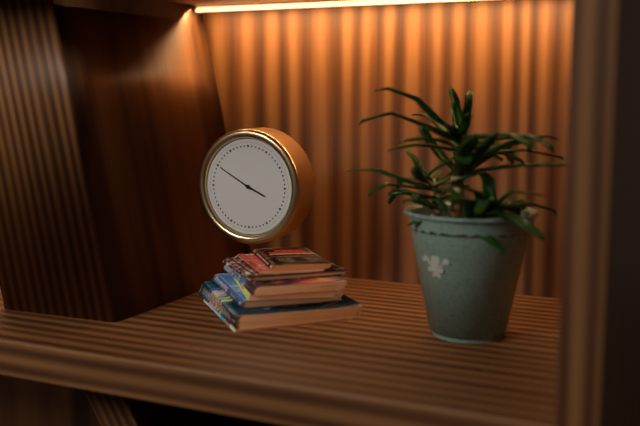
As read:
**3:50**
